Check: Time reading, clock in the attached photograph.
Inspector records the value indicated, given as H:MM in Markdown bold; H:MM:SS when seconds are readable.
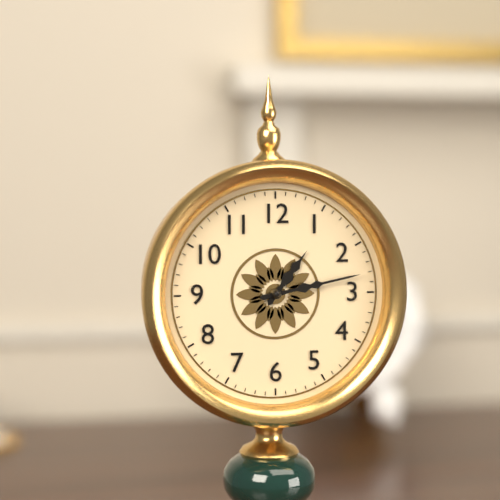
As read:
**1:13**
